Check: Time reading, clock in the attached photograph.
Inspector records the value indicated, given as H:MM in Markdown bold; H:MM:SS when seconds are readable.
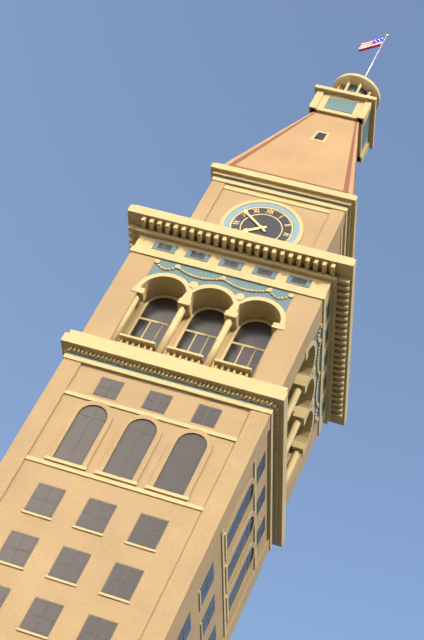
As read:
**7:51**
